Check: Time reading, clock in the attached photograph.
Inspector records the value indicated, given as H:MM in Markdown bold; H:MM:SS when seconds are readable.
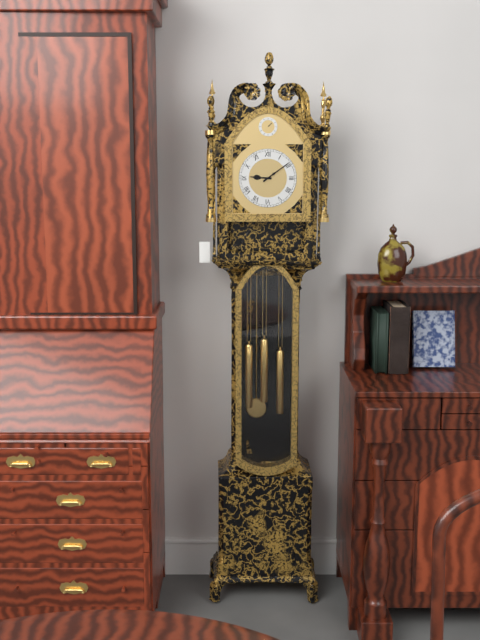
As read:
**9:09**
